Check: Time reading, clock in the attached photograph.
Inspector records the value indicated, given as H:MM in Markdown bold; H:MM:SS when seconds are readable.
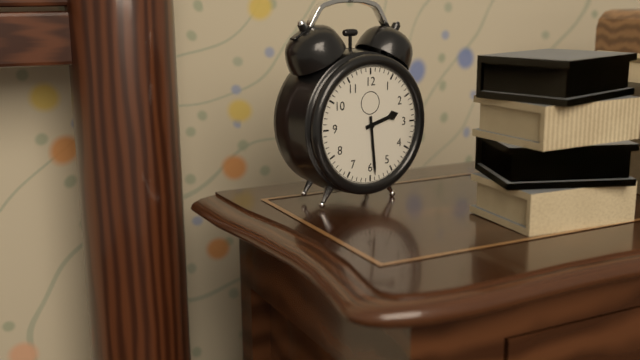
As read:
**2:29**
